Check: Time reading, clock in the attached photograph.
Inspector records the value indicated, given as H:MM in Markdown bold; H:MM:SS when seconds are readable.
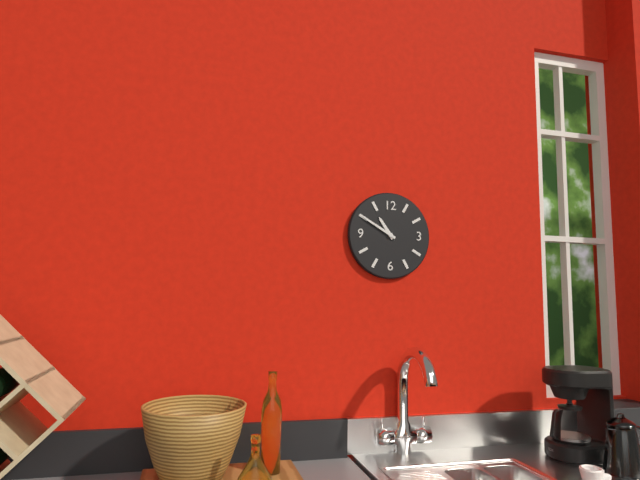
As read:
**10:50**
